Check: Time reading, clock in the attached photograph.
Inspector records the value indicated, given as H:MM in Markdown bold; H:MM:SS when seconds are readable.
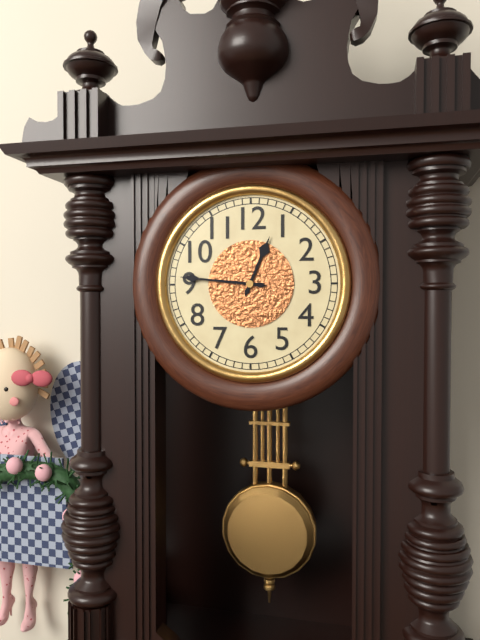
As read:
**12:46**
